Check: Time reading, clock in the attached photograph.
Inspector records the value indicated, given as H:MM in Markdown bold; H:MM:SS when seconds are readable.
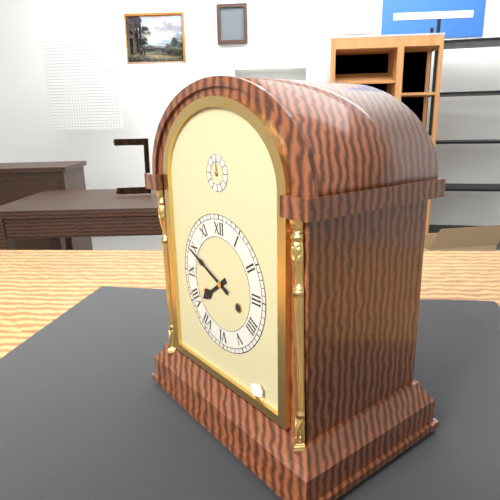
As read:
**7:49**
